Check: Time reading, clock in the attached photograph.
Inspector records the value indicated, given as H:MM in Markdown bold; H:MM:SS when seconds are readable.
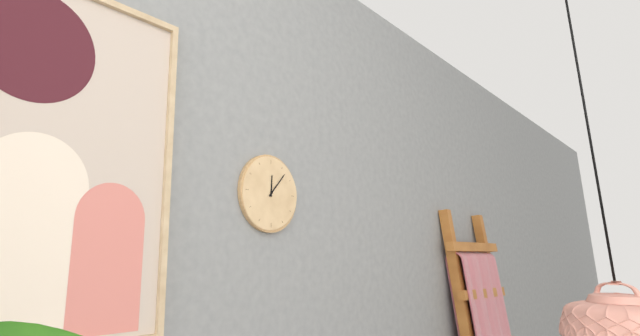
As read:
**12:07**
